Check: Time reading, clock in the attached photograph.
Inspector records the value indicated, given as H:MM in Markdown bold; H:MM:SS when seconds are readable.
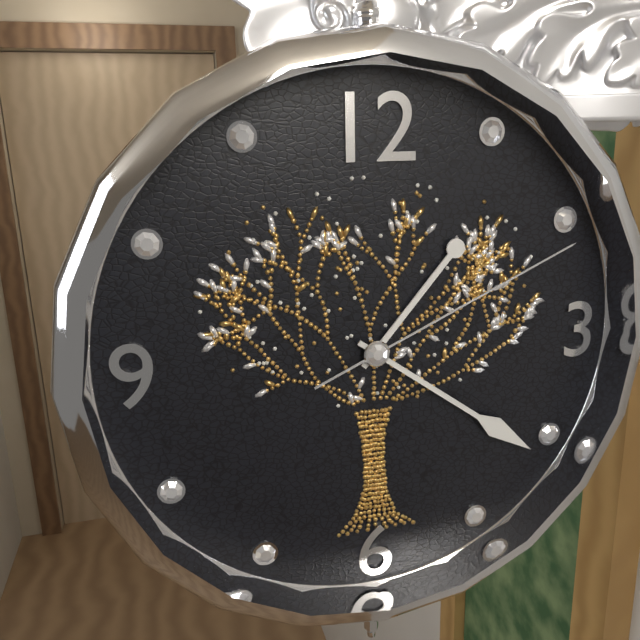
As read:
**1:21:11**
